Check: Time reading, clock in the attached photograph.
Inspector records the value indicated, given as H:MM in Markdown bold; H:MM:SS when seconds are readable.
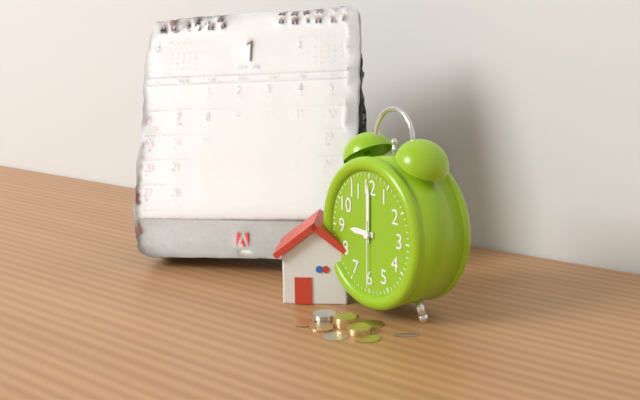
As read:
**9:00:30**
